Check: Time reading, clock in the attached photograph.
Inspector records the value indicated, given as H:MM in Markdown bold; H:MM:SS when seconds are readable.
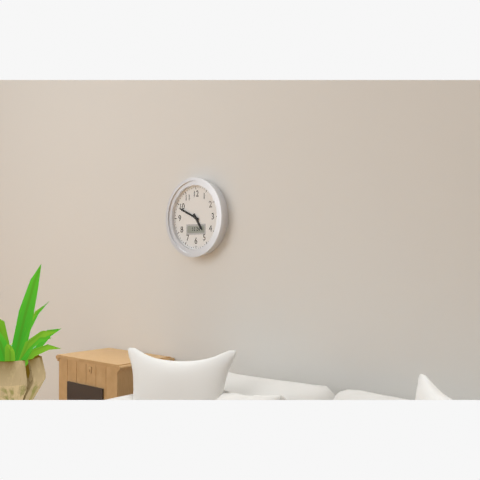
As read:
**4:49**
